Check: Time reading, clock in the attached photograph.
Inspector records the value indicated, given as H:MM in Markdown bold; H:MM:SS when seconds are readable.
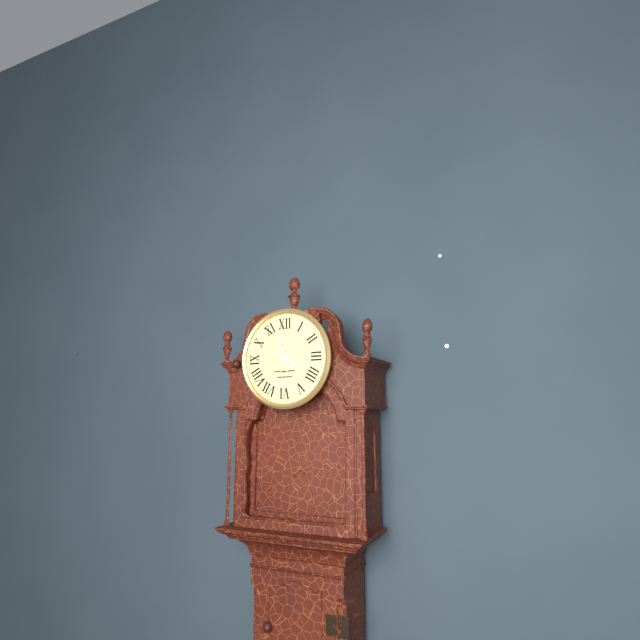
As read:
**3:58**
